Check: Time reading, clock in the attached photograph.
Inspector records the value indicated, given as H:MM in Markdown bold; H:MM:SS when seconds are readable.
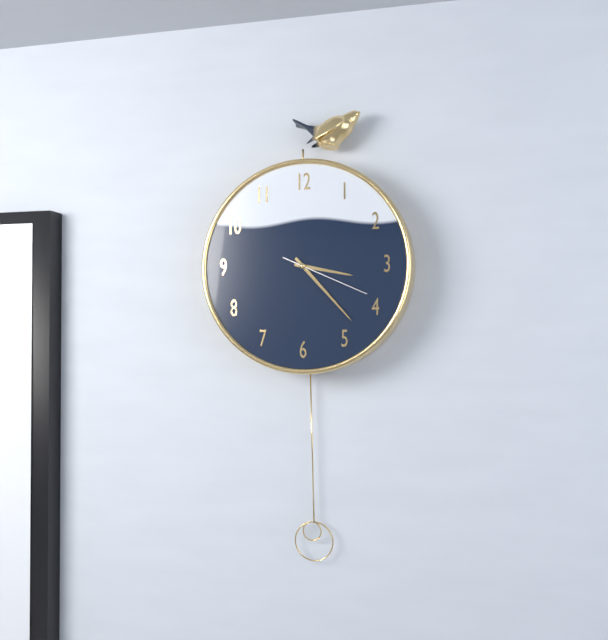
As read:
**3:23:19**
